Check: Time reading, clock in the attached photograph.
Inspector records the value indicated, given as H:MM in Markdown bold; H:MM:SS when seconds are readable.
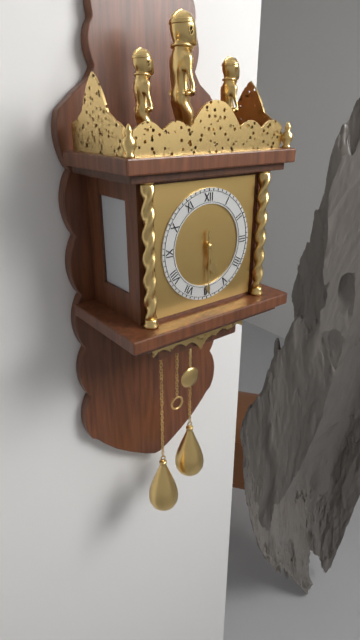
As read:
**5:30**
